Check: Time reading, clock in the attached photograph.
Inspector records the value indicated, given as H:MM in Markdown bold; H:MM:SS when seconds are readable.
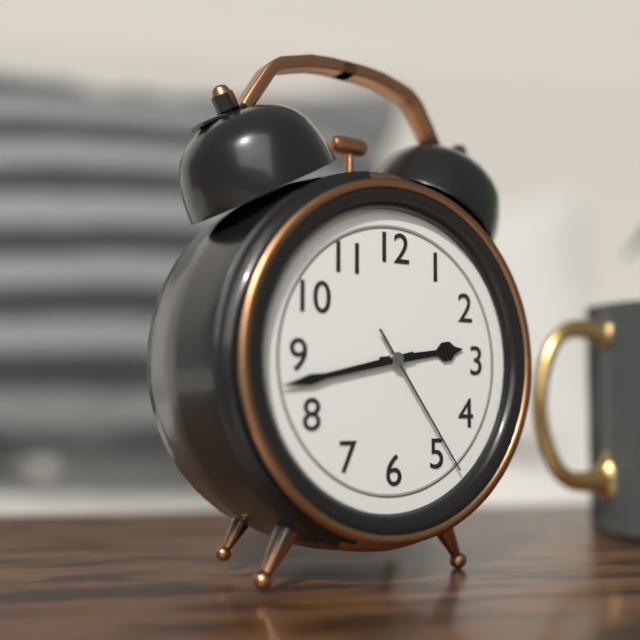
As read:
**2:43:24**
